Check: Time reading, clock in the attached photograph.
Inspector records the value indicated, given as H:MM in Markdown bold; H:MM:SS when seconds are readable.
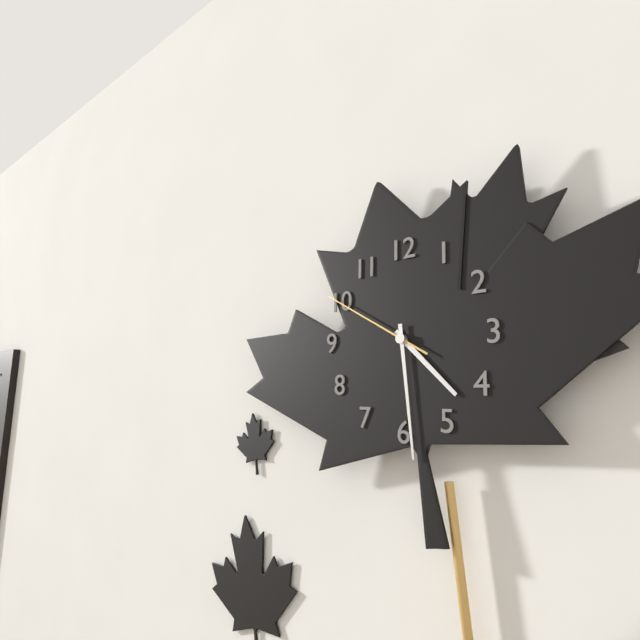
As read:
**4:29:50**
